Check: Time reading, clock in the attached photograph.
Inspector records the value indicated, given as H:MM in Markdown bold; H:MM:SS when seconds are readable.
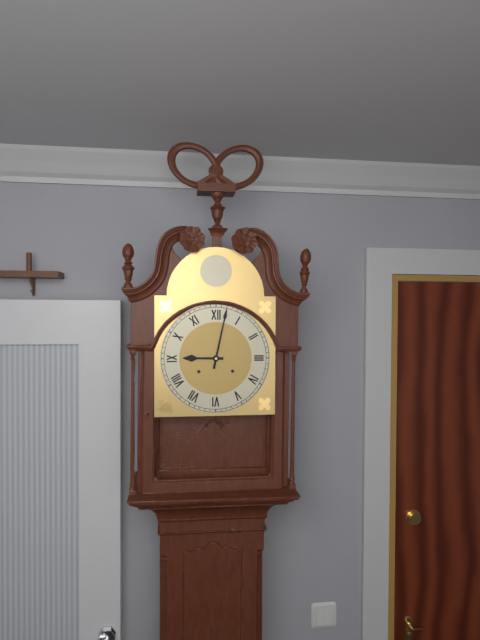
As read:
**9:02**
